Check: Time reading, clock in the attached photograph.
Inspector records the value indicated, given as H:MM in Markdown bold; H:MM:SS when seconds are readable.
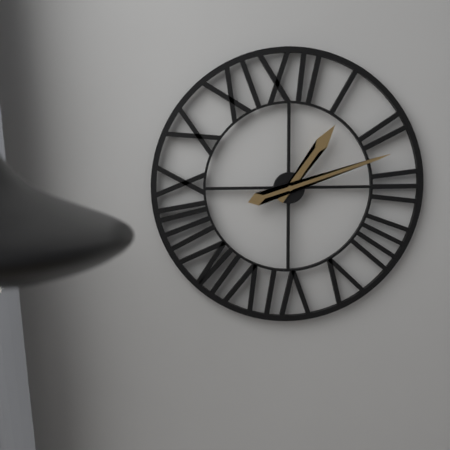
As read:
**1:12**
